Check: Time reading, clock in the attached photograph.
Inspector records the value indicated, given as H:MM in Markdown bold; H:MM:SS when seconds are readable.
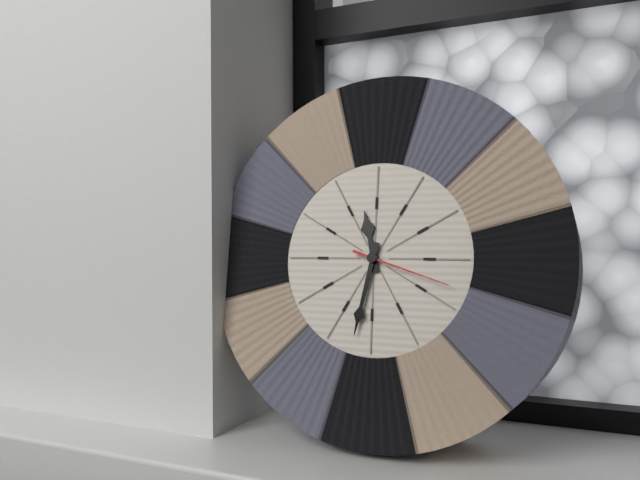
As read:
**11:32:18**
